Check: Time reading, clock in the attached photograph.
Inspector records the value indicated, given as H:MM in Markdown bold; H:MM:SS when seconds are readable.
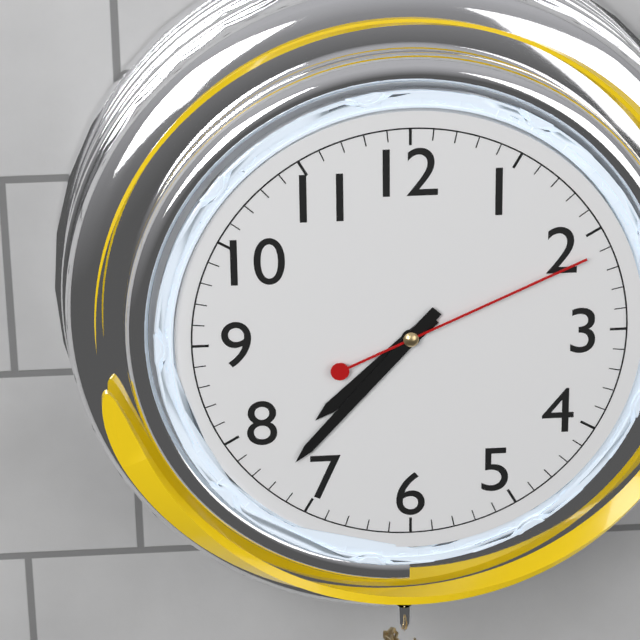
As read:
**7:37:11**
